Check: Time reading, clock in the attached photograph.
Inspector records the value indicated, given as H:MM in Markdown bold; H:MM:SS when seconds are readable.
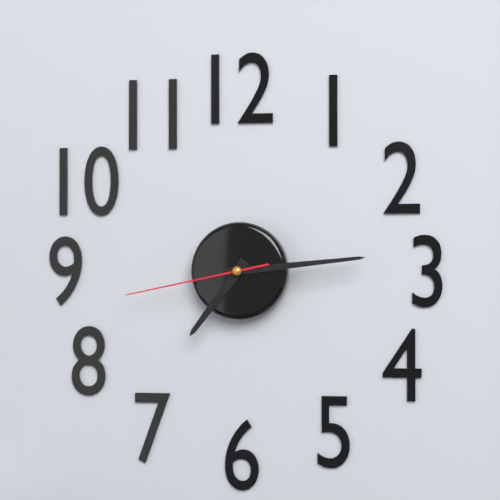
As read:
**7:14:43**
